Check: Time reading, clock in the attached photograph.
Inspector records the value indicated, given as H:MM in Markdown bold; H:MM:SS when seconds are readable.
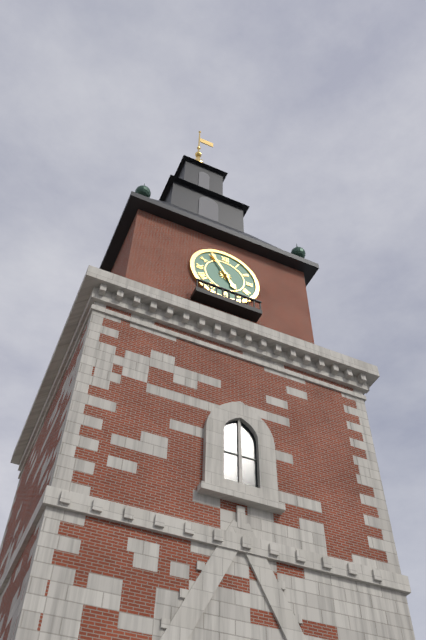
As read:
**4:55**
